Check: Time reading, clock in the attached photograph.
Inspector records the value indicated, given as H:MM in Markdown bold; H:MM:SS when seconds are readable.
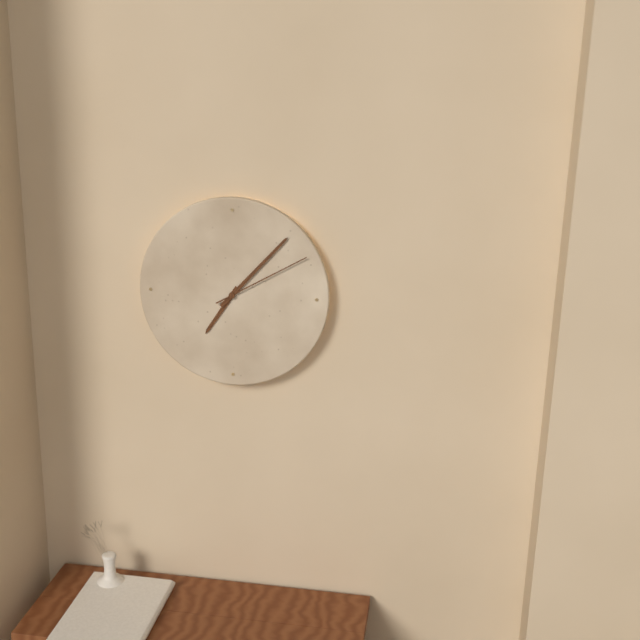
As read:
**7:07:10**
